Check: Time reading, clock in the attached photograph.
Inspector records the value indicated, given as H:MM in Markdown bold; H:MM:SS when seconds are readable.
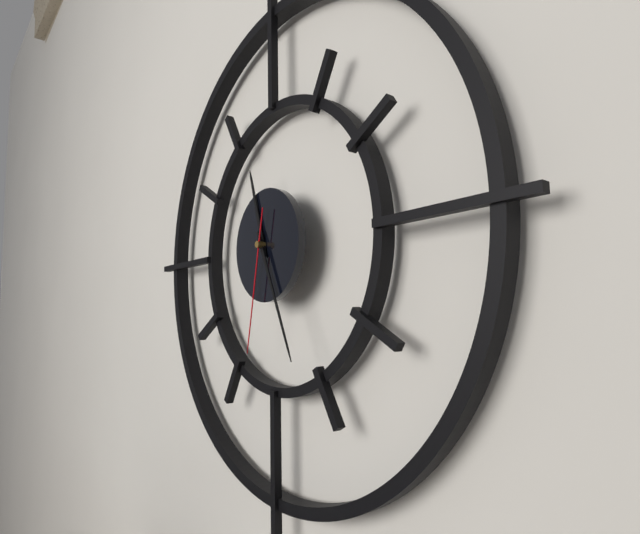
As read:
**11:26:32**
